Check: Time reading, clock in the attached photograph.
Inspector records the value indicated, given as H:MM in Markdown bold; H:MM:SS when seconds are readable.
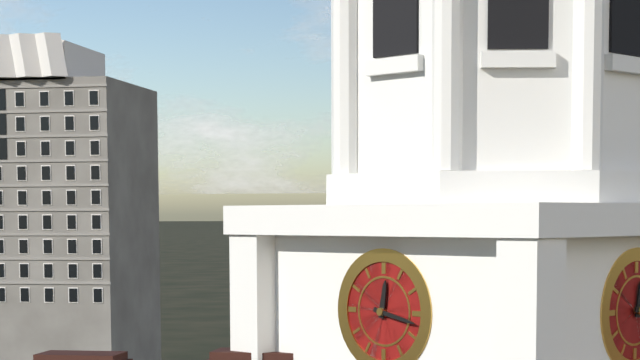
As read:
**12:17**
